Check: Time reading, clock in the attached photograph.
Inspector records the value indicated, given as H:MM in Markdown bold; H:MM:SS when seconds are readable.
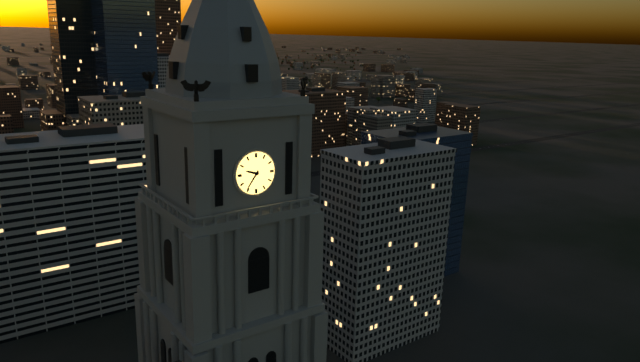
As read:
**9:36**
